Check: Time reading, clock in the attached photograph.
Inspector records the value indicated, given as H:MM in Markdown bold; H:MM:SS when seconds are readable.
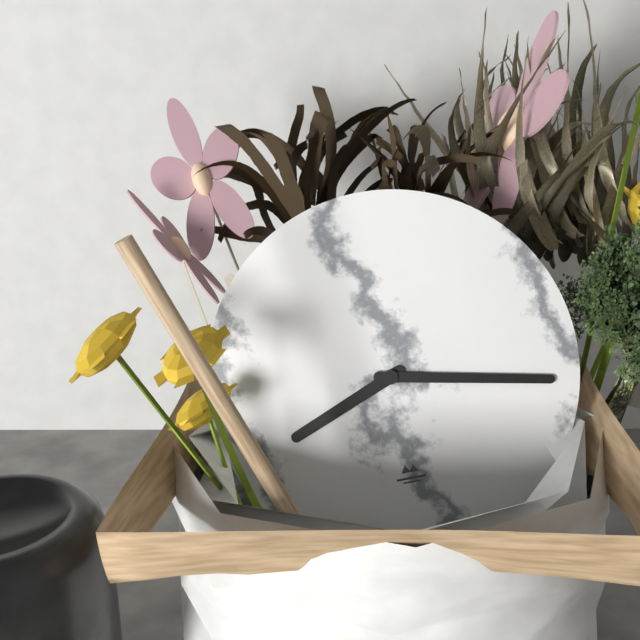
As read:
**8:17**
